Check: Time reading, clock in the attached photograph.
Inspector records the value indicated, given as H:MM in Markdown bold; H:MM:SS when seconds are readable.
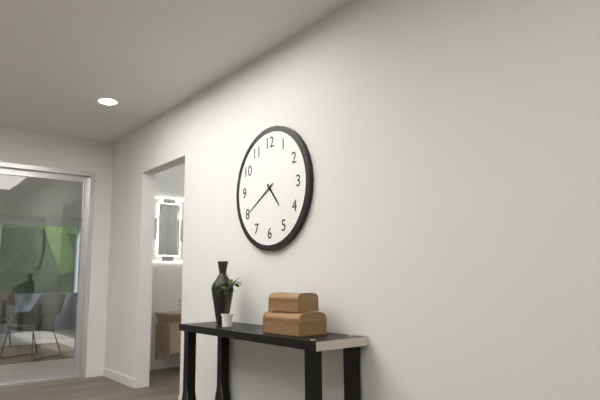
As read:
**4:40**
